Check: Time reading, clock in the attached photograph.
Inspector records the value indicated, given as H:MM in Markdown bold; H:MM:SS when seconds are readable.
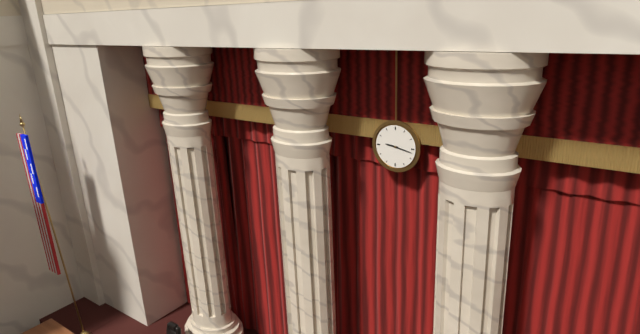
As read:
**9:17**
